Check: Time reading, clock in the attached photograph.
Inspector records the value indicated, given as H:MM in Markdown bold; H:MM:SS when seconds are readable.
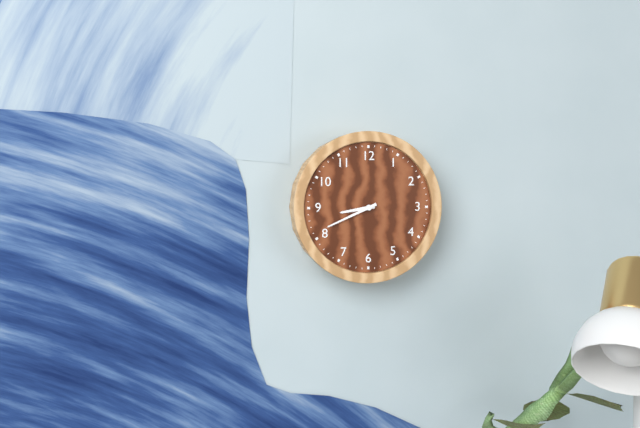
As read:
**8:41**
